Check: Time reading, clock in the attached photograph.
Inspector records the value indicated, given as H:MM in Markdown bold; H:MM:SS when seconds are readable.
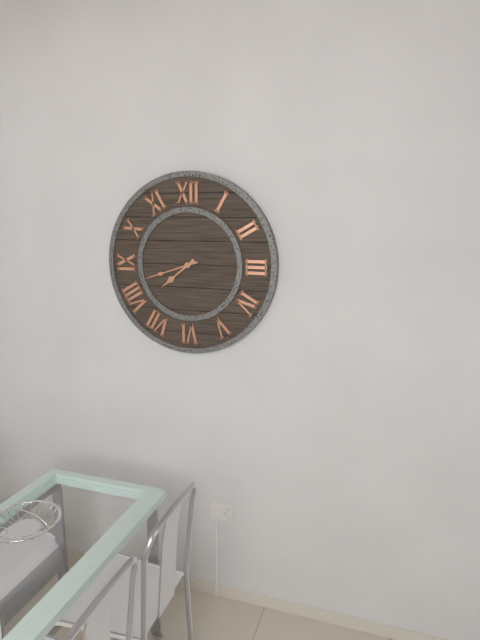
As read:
**7:42**
